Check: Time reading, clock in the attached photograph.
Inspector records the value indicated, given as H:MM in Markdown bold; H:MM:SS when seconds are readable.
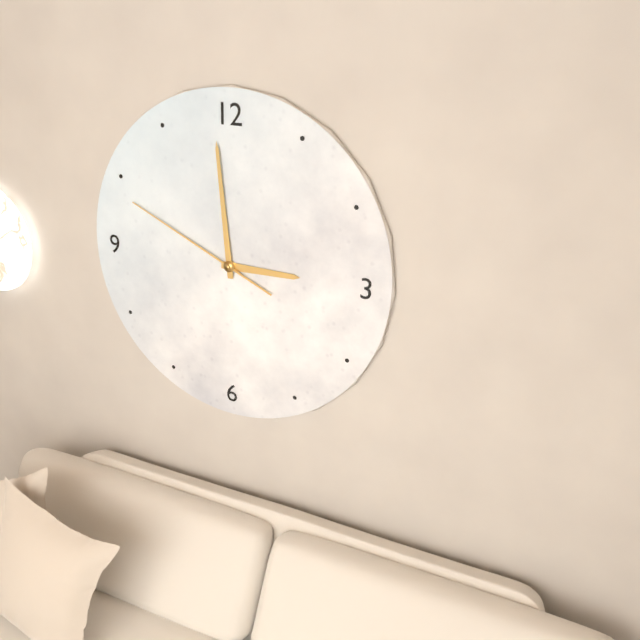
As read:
**2:59:49**
